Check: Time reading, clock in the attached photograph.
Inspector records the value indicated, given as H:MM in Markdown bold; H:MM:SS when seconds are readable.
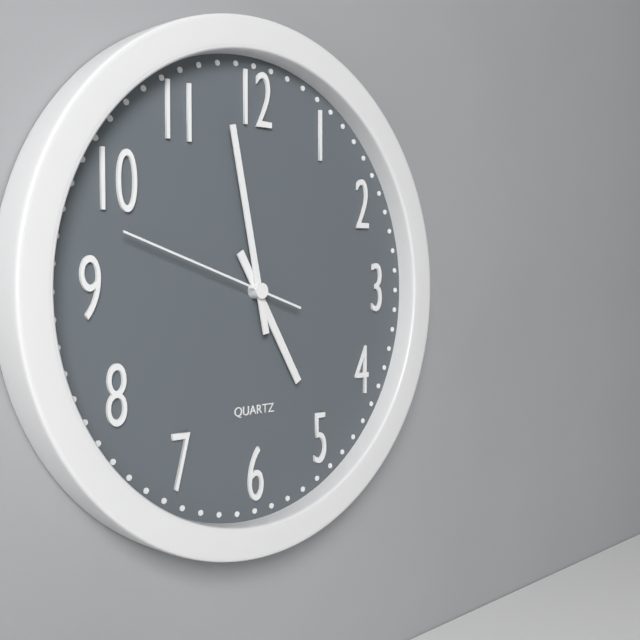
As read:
**4:58:48**
